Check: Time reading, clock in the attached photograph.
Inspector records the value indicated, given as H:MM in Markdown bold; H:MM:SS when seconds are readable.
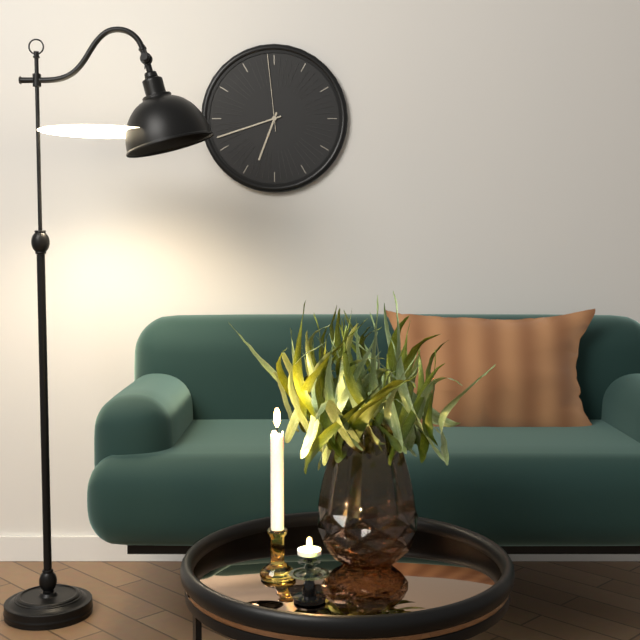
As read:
**6:42:59**
